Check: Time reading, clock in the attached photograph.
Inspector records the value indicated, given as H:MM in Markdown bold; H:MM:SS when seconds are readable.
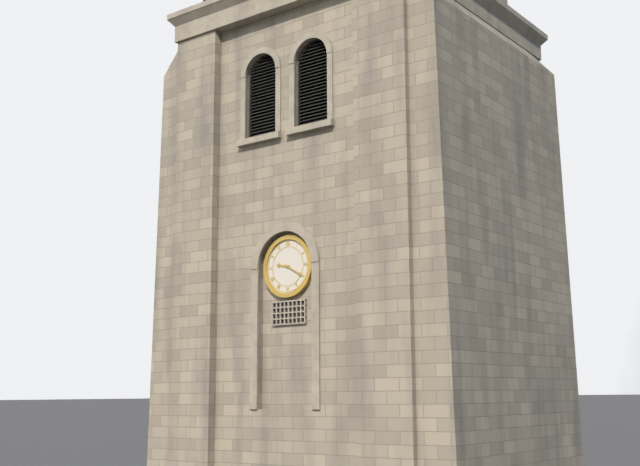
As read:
**9:20**
